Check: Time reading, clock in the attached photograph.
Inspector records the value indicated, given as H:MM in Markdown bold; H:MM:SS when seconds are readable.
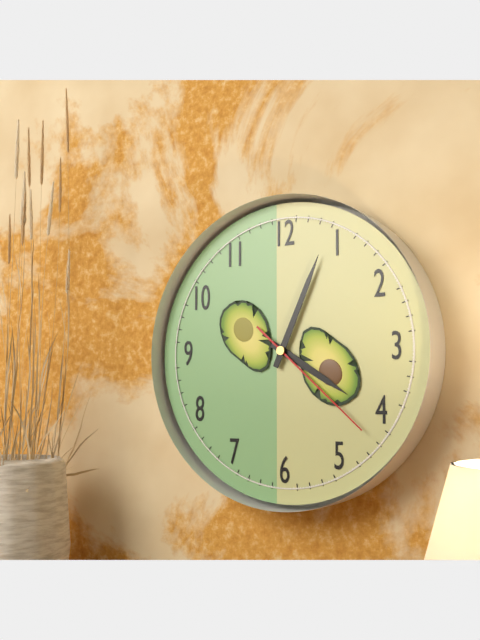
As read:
**4:04:22**
